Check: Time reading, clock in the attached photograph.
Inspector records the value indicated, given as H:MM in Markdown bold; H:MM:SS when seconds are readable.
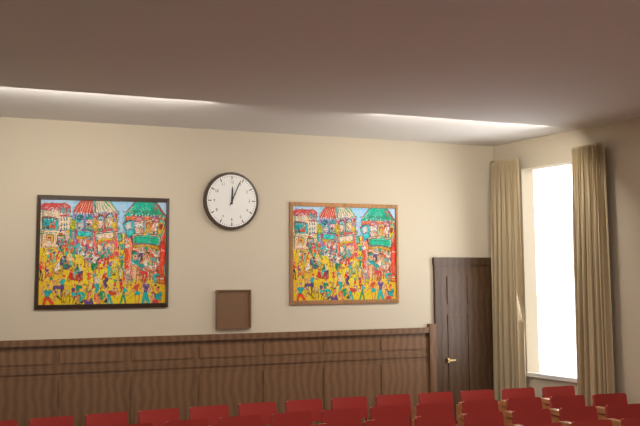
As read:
**12:04**
